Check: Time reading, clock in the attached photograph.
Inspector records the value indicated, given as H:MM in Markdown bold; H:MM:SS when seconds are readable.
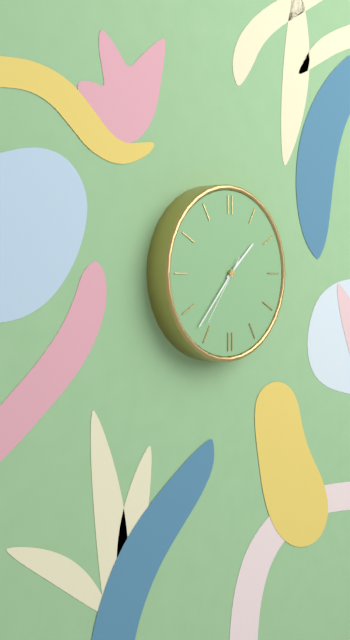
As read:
**1:37:36**
